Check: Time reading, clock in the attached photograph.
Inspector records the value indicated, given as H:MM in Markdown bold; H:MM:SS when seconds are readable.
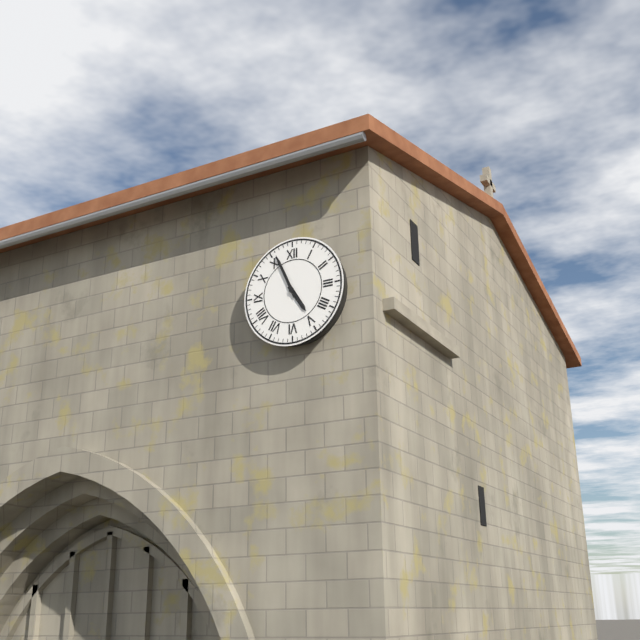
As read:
**4:56**
